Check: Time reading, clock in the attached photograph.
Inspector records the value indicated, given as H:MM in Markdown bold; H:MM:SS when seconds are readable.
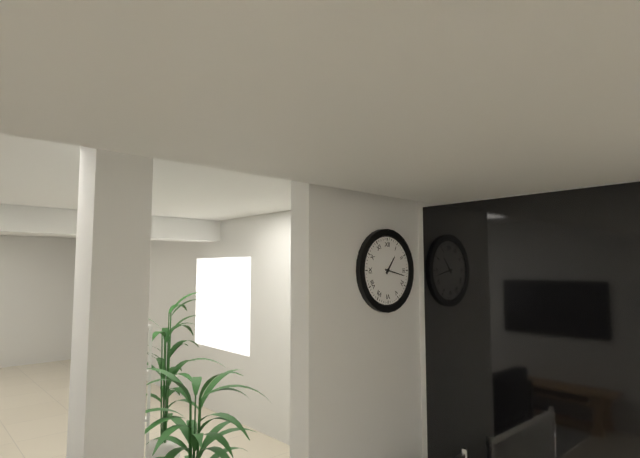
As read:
**1:17**
